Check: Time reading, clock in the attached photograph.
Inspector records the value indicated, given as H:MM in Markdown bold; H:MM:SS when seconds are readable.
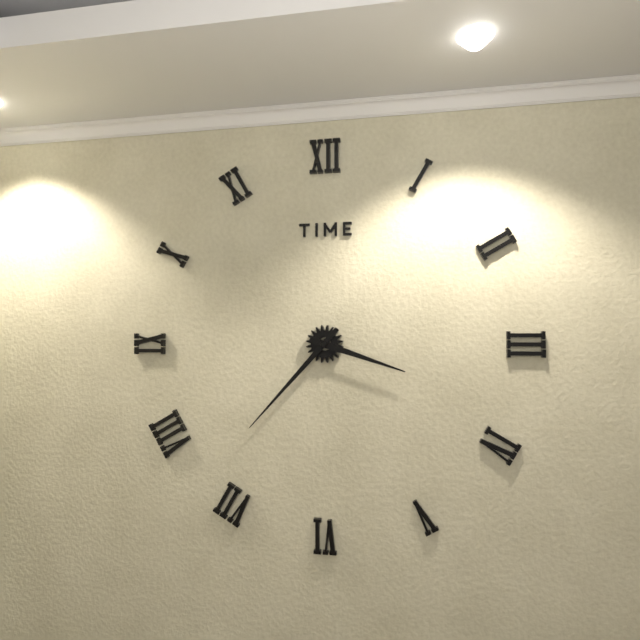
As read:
**3:37**
